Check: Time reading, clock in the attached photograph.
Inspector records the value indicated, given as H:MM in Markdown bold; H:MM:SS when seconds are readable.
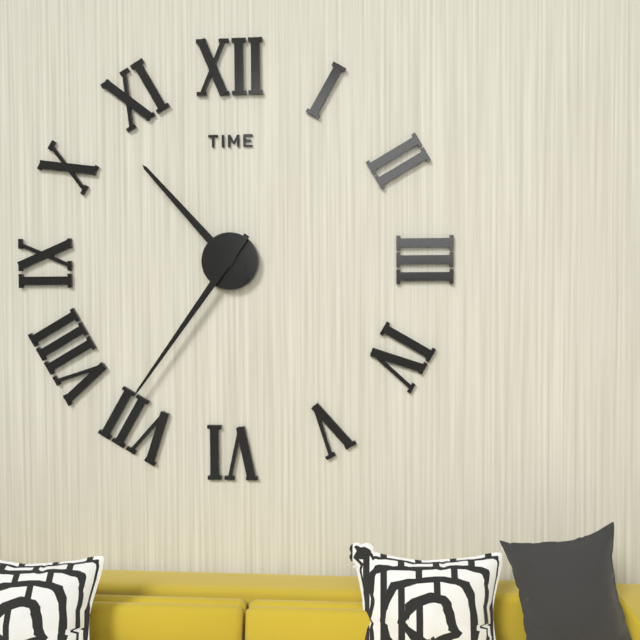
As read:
**10:36**
